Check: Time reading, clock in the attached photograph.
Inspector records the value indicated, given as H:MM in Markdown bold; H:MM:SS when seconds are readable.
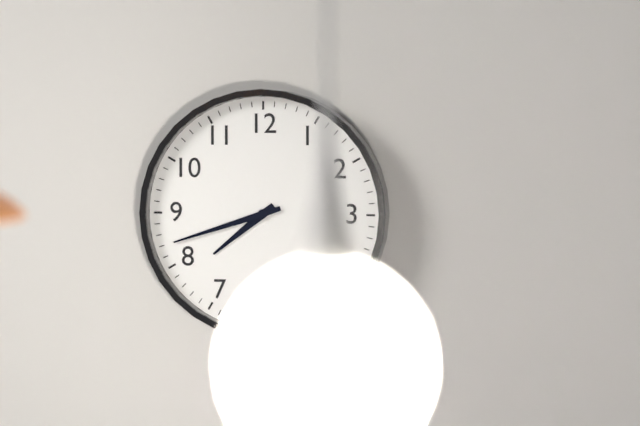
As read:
**7:42**
